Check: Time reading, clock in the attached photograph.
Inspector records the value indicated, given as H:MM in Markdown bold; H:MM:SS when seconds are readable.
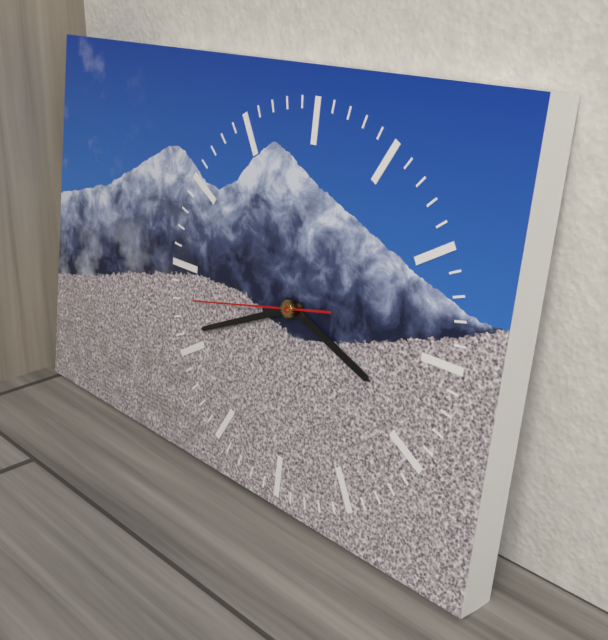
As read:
**3:41:43**
